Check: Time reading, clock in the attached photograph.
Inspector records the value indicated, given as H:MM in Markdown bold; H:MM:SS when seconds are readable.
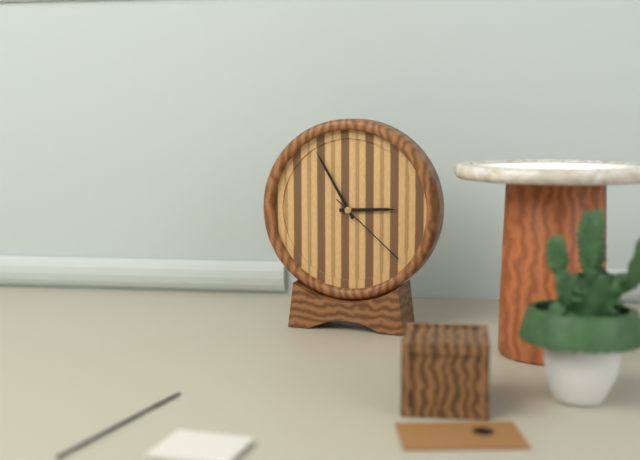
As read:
**2:55:22**
